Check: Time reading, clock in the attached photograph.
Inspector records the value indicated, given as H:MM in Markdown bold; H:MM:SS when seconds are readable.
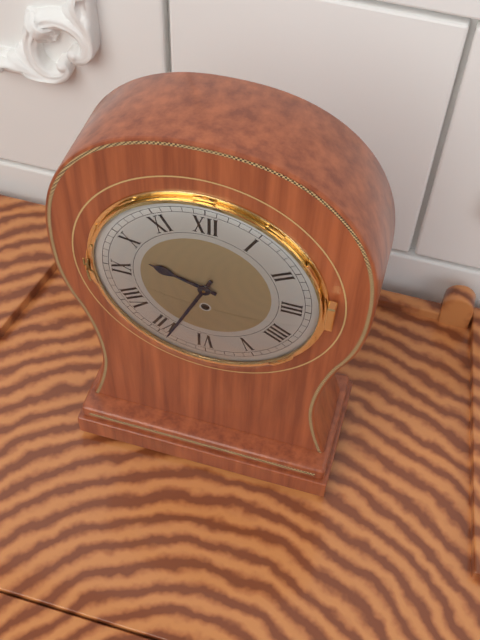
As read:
**9:34**
